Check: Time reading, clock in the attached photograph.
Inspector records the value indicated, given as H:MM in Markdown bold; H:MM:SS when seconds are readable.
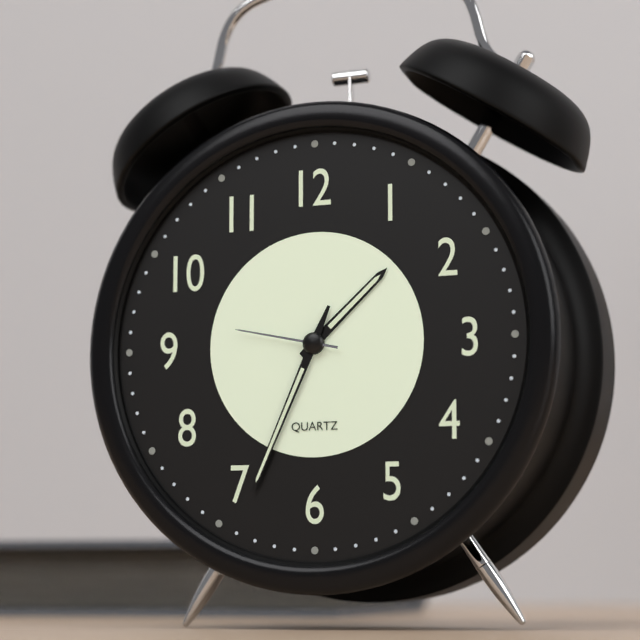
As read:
**1:34:47**
